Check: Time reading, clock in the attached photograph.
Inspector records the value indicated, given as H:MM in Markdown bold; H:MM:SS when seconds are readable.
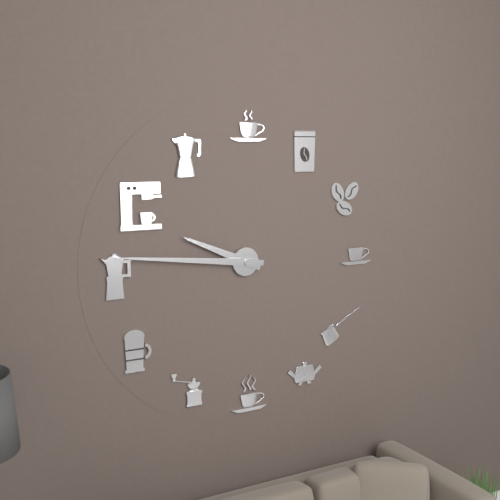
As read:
**9:46**
